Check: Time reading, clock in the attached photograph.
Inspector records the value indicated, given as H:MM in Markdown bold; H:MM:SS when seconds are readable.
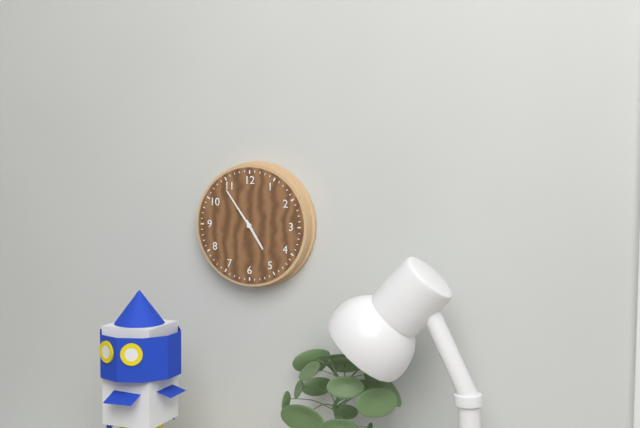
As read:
**4:54**
